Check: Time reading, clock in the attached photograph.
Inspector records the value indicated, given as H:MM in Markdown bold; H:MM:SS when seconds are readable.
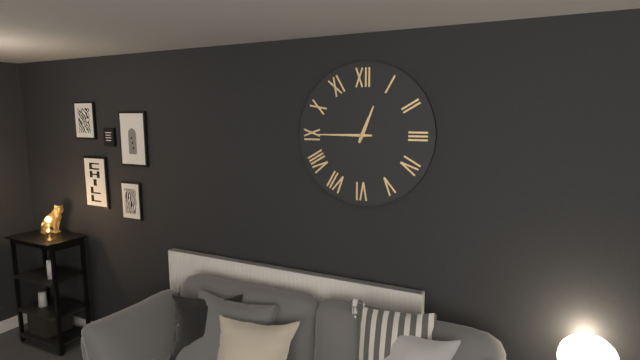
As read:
**12:45**
